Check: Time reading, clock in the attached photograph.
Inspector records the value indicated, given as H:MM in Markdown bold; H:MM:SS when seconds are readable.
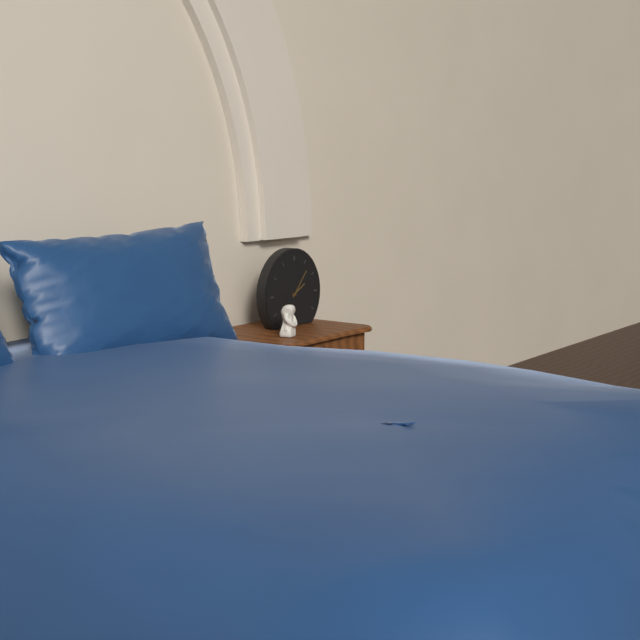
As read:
**2:07**
